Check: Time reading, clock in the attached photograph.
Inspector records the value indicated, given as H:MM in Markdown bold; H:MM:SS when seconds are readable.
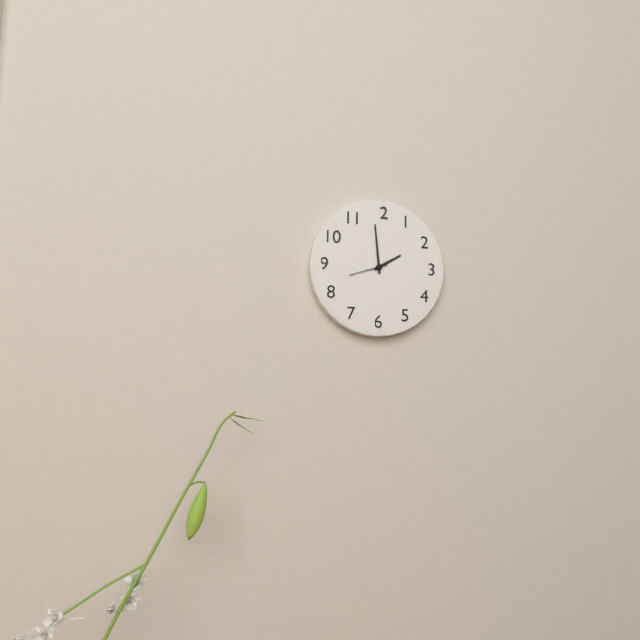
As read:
**1:59**
